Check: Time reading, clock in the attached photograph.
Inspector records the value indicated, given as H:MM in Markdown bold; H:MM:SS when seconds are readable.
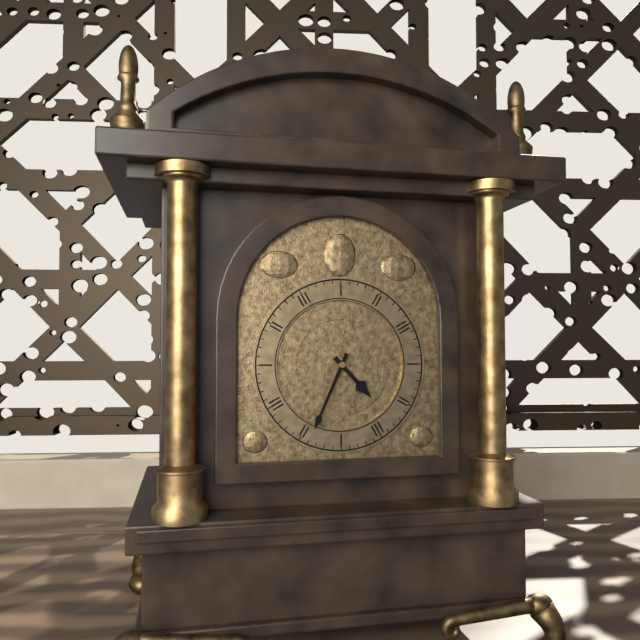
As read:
**4:34**
